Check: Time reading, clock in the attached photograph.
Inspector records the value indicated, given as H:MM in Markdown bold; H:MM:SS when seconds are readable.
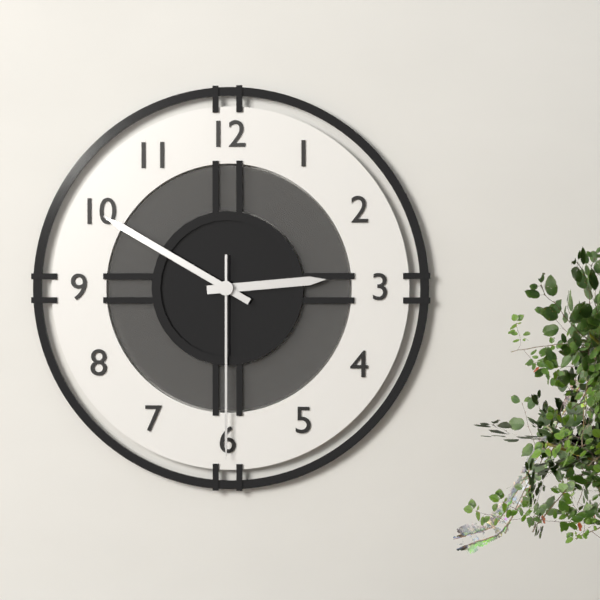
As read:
**2:50:30**
